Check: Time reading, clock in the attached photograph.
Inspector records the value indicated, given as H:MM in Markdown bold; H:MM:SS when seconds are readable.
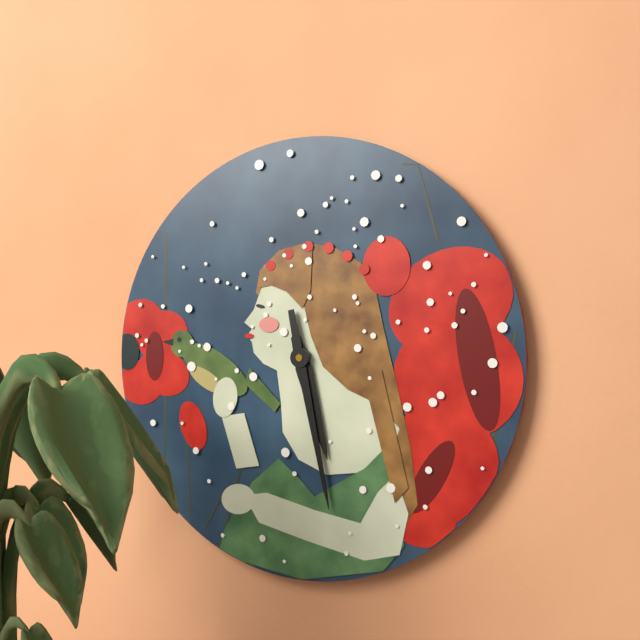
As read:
**5:28**
